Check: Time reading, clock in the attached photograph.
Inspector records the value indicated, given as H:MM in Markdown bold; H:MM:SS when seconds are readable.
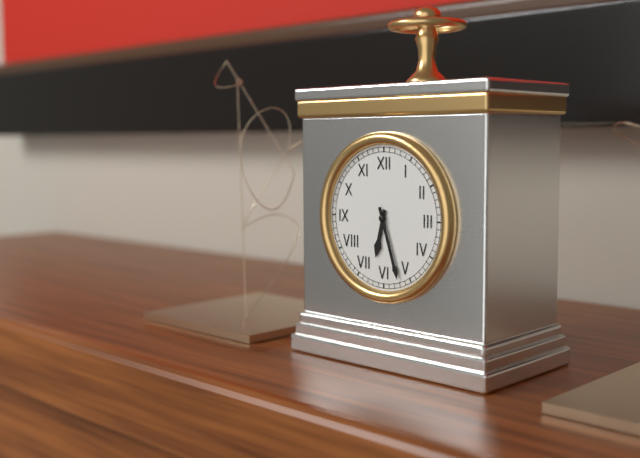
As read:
**6:27**
